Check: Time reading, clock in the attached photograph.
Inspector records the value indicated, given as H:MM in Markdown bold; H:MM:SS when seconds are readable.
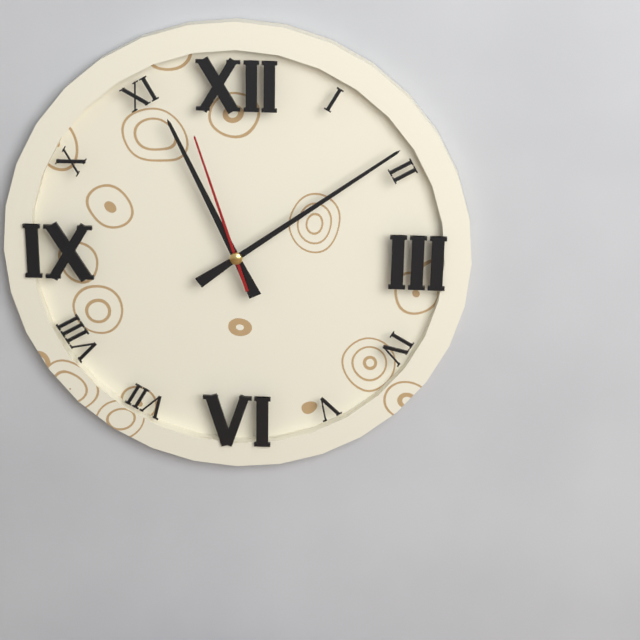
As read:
**11:09:57**
